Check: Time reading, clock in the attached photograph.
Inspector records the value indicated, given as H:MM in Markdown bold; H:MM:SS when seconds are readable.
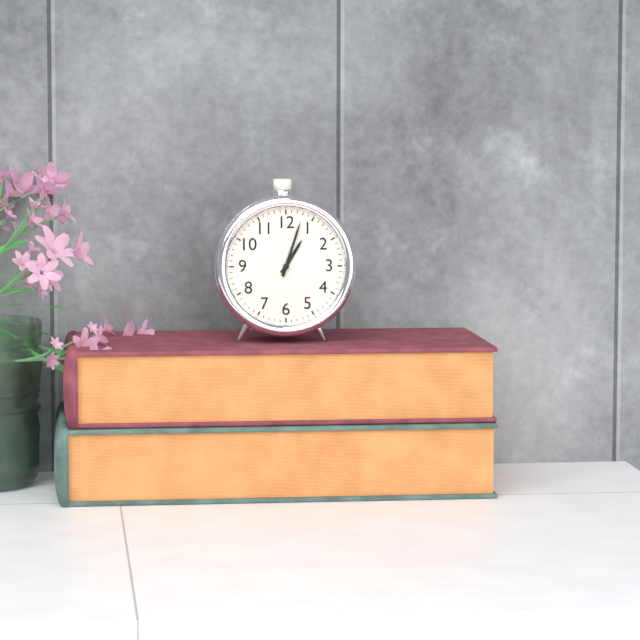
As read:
**1:03**
